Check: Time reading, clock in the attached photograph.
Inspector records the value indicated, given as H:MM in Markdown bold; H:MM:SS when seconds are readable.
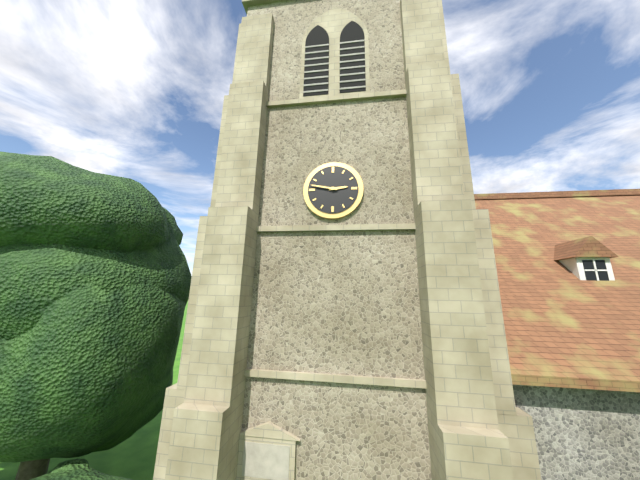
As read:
**2:47**
